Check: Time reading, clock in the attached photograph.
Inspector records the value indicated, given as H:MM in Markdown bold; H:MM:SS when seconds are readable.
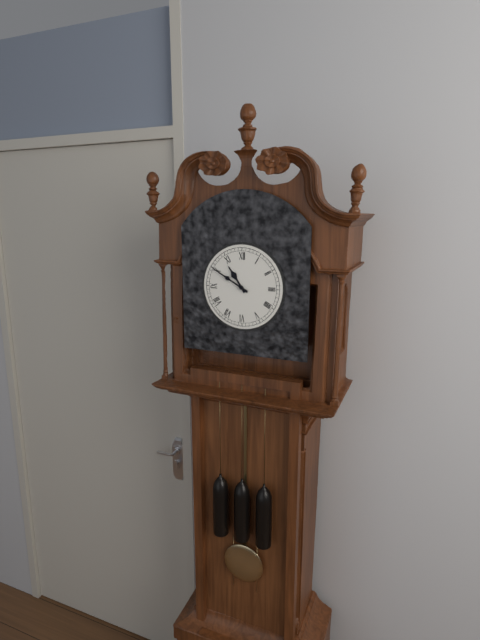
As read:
**10:50**
